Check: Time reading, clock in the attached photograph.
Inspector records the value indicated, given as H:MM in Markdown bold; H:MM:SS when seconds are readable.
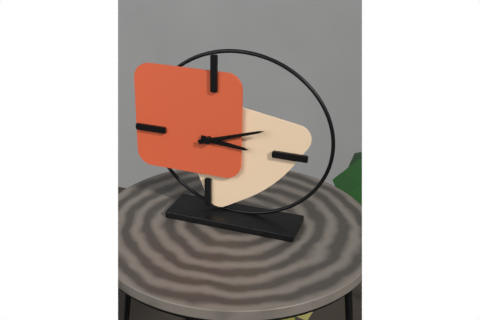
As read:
**3:12**
